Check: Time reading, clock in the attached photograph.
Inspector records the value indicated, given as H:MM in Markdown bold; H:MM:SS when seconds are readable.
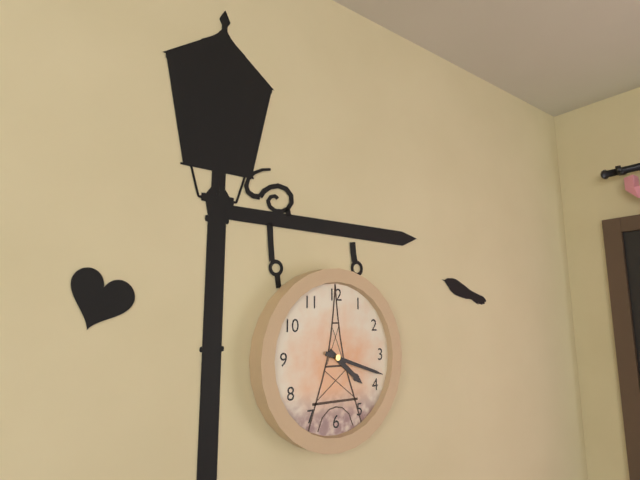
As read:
**4:18**
